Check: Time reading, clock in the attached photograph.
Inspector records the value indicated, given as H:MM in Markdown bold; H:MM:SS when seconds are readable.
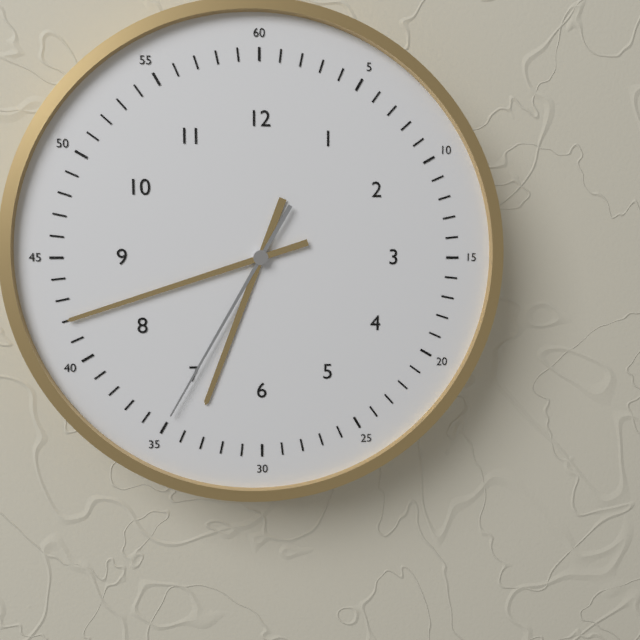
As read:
**6:42:35**
